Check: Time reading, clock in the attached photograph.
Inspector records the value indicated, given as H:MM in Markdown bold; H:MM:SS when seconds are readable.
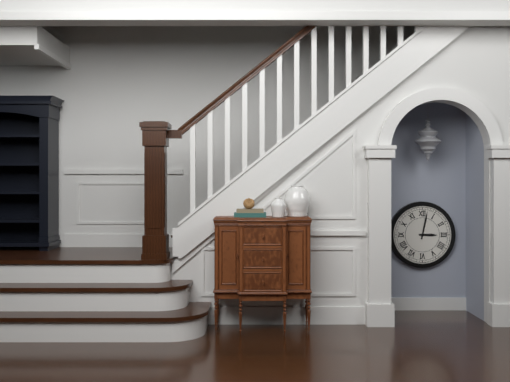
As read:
**3:02**
